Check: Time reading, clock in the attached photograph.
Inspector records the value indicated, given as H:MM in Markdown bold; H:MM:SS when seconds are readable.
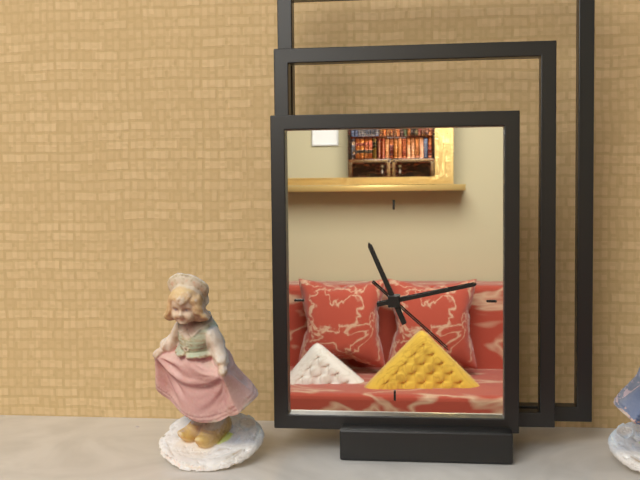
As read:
**11:13:22**
